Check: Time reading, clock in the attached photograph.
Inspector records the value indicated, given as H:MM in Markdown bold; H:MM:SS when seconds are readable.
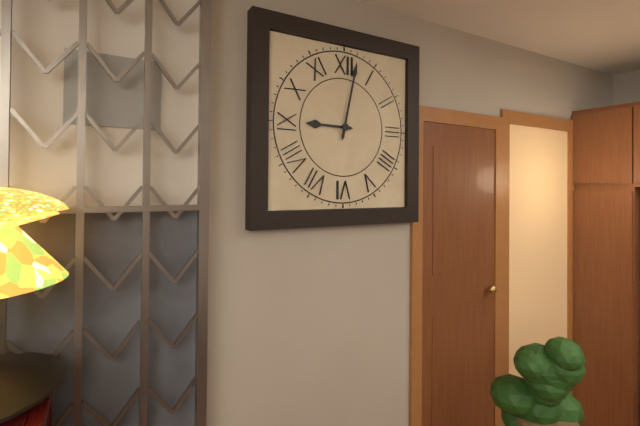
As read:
**9:02**
